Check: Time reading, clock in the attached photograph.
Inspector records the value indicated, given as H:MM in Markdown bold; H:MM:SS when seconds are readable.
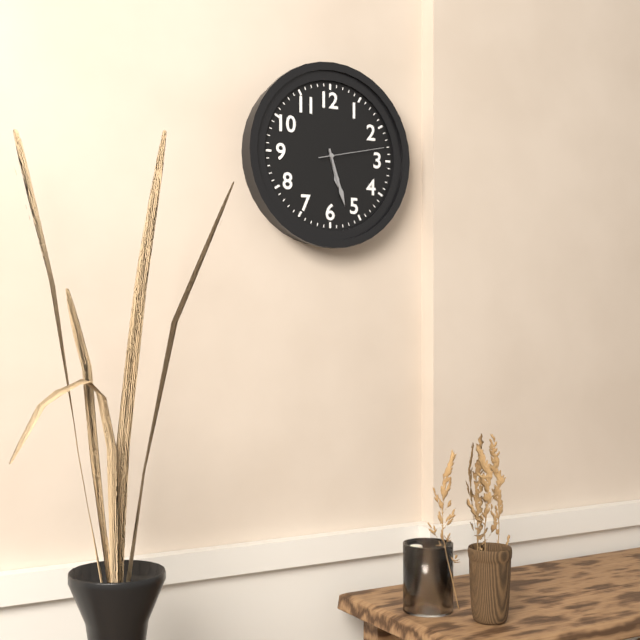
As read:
**5:27:13**
